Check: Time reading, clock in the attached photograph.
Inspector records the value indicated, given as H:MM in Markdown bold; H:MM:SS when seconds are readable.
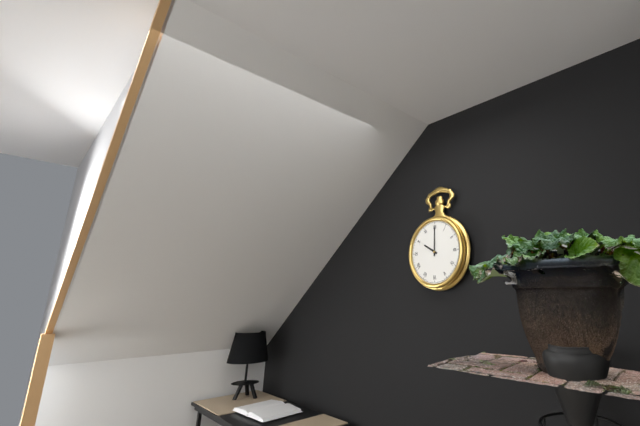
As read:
**10:00**
